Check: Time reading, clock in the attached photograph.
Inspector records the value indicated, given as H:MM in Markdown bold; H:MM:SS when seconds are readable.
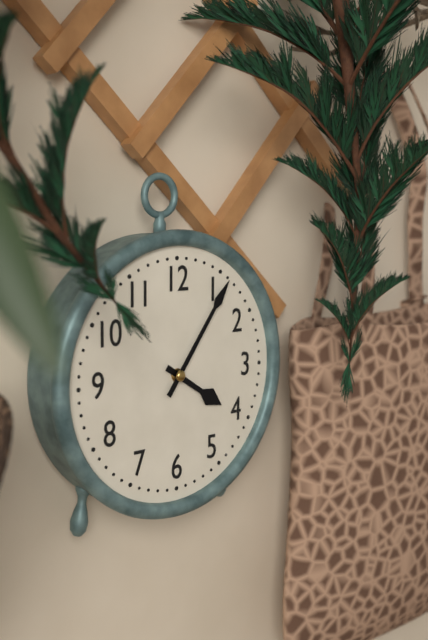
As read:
**4:06**
